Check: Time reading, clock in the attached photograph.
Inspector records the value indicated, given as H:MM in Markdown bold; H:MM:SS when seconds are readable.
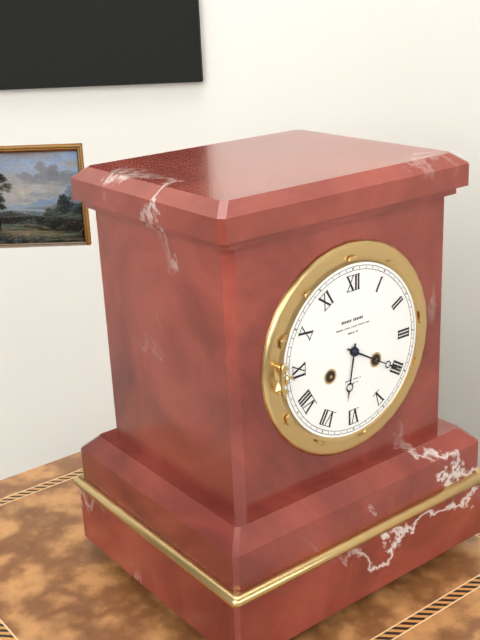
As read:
**6:20**
